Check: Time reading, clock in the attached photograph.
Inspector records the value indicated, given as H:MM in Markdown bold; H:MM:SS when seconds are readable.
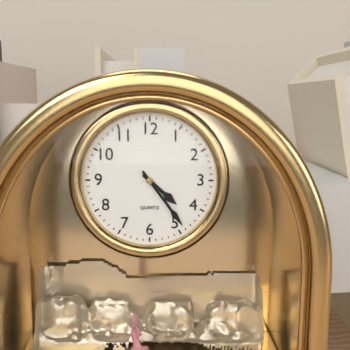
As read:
**4:24**
